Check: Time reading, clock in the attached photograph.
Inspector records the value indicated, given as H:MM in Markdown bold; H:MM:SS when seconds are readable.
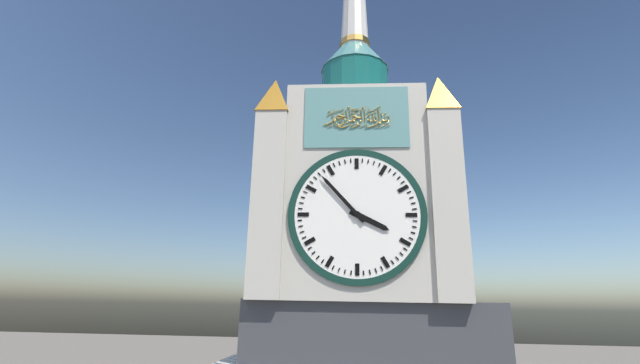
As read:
**3:53**
